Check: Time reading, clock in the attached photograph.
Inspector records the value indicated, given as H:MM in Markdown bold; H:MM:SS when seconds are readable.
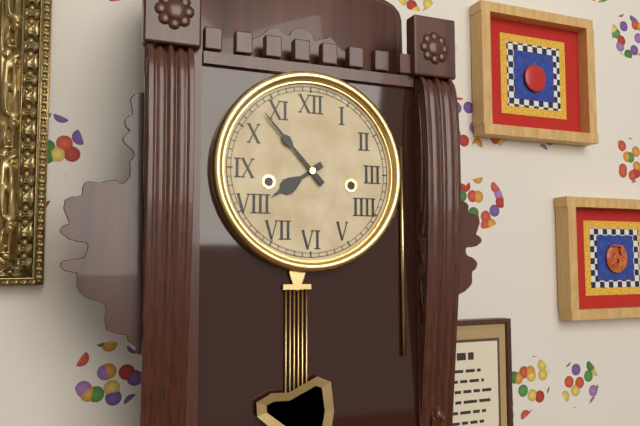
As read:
**7:53**
